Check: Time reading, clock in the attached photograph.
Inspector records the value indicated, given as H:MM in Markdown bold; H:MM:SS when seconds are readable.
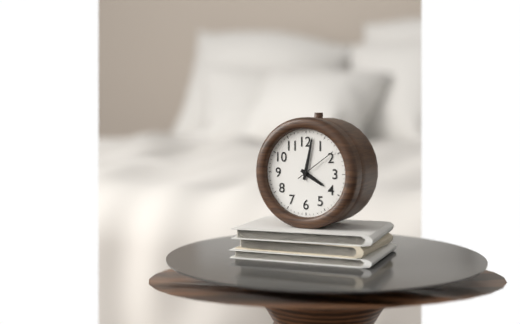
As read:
**4:02**
